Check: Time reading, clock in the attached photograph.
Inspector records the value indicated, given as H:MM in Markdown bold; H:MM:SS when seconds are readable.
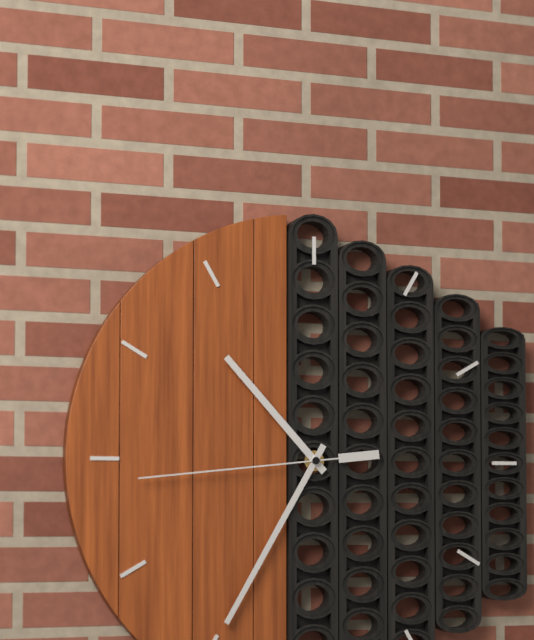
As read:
**10:35:44**
